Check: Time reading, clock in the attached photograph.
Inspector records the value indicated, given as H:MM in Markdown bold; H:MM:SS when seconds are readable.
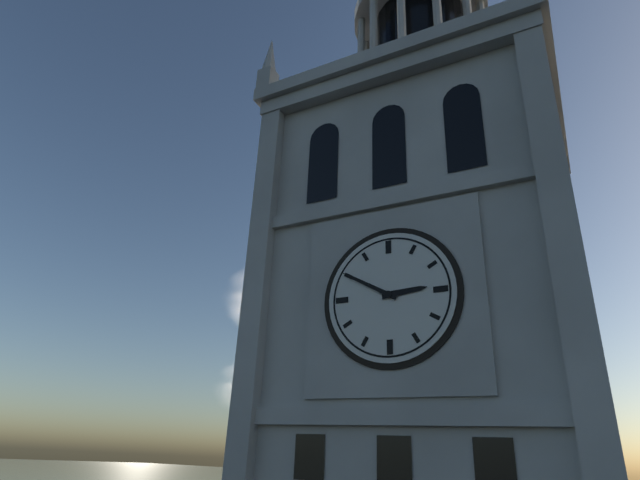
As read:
**2:50**
